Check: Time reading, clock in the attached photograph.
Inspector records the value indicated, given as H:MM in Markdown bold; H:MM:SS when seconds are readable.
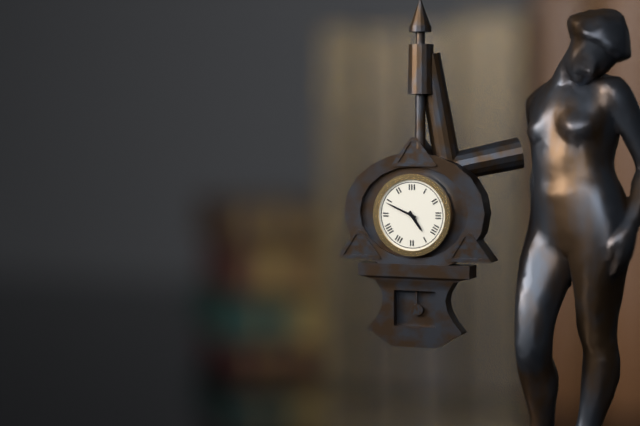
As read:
**4:49**
